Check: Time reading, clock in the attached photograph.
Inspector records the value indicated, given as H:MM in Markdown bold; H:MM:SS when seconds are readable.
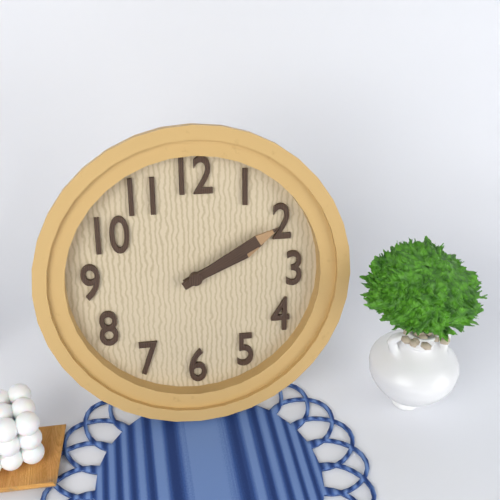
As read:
**2:10**
